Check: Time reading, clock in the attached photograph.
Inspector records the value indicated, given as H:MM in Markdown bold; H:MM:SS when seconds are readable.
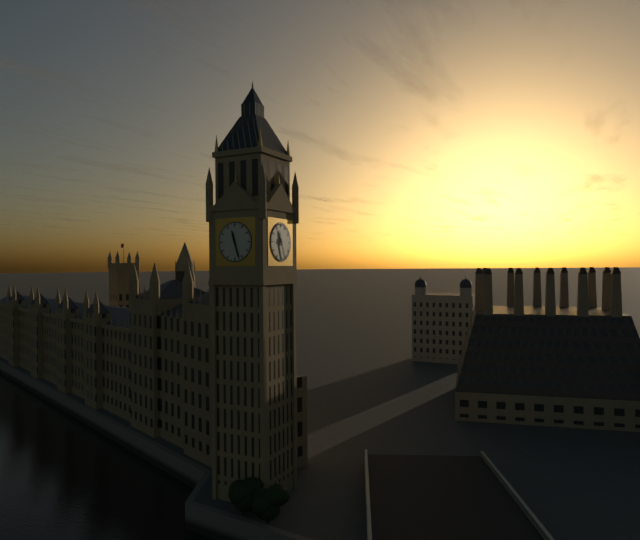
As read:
**11:27**
